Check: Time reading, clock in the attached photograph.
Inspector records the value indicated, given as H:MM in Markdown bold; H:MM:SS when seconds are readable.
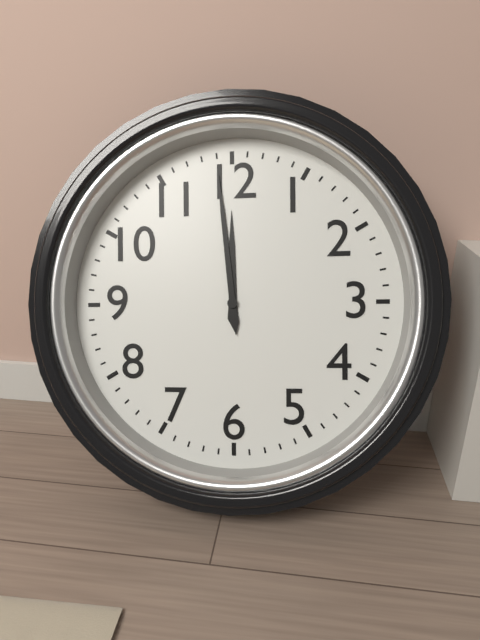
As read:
**11:59**
